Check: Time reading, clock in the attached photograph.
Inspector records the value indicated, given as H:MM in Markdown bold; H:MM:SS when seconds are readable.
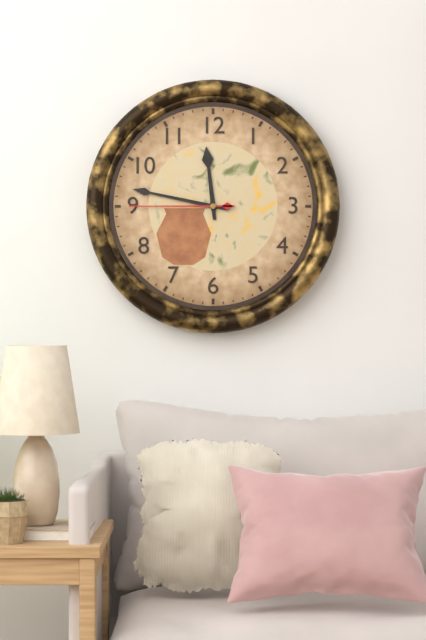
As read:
**11:47:45**
